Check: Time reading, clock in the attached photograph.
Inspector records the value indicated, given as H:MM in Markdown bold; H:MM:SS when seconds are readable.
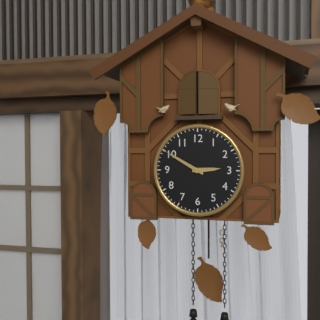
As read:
**2:50**
